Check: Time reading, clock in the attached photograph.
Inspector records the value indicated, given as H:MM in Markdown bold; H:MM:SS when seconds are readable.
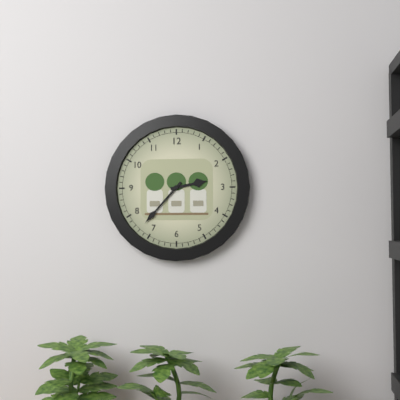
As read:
**2:37**
